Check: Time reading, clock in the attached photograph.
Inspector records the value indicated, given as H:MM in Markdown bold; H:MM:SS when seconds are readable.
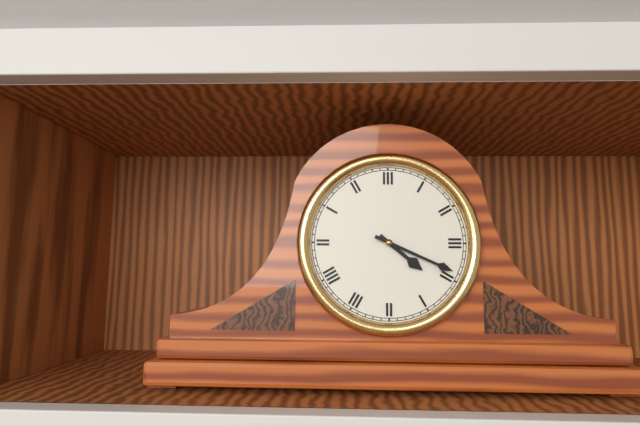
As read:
**4:19**
